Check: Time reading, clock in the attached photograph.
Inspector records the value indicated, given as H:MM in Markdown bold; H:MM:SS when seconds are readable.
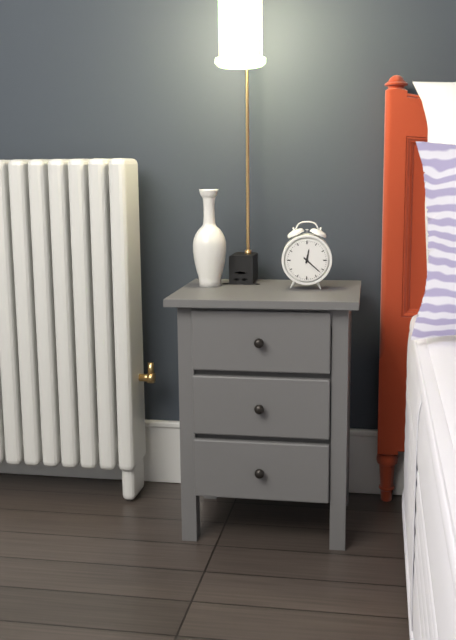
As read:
**12:22**
